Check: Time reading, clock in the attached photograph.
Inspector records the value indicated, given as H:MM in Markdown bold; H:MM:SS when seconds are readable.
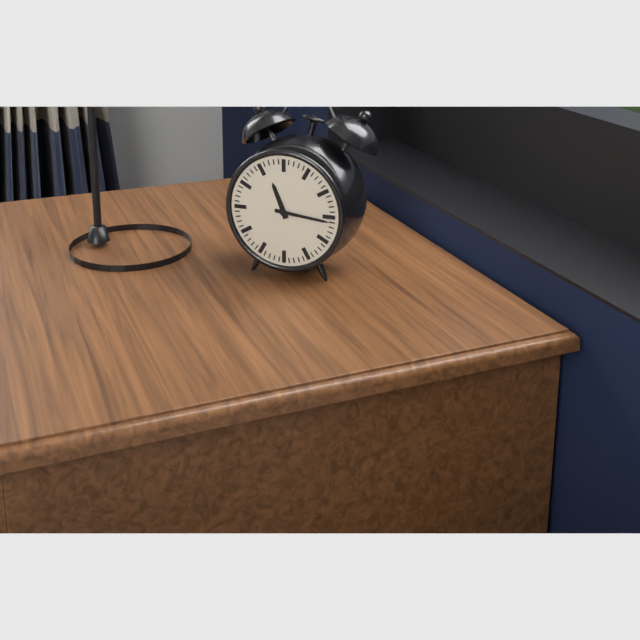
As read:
**11:16**
